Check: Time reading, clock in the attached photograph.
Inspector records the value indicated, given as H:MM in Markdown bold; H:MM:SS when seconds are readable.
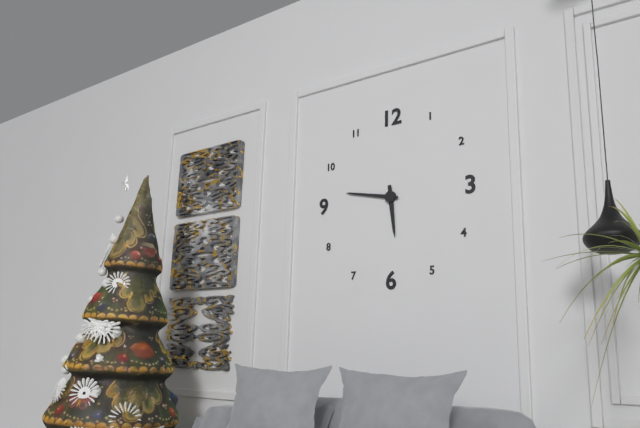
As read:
**5:47**
